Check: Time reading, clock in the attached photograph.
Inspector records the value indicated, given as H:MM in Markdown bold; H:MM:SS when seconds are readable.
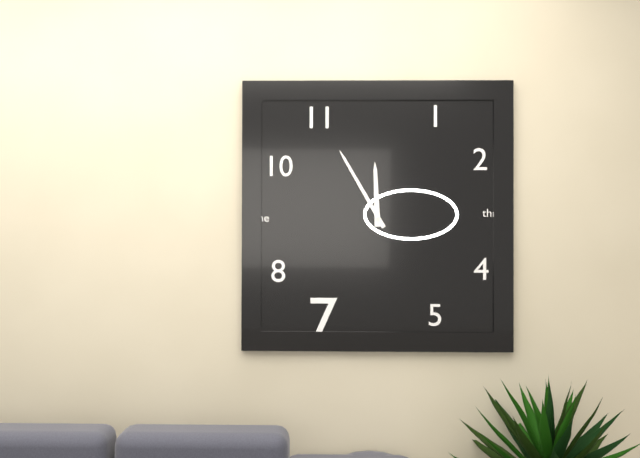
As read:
**11:55**
